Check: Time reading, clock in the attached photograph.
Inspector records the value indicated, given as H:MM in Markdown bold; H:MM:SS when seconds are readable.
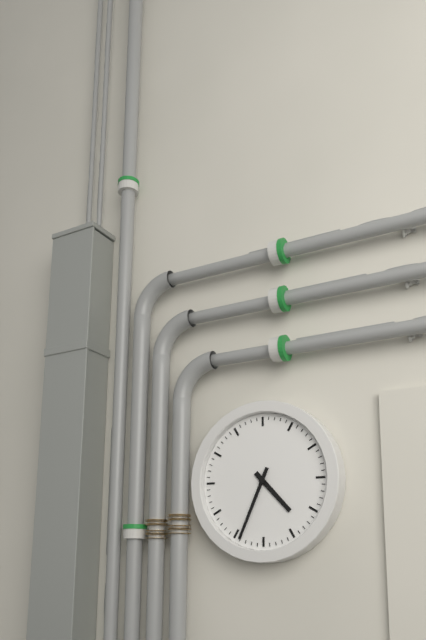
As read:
**4:34**
